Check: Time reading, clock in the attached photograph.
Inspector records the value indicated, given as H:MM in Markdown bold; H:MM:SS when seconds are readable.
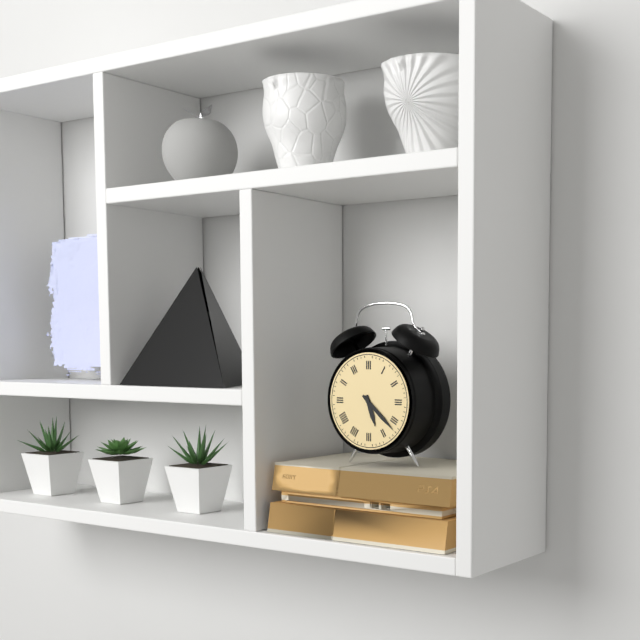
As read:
**5:22**
